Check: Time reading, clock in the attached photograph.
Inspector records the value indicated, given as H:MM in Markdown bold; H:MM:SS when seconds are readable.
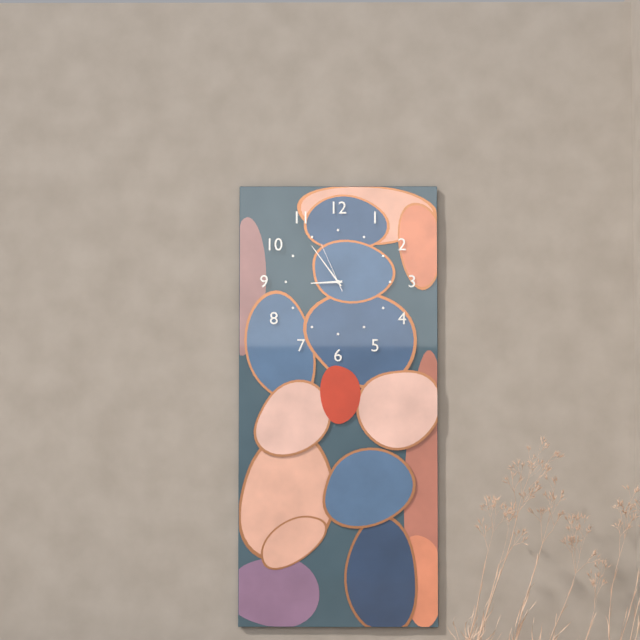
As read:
**8:54:56**
